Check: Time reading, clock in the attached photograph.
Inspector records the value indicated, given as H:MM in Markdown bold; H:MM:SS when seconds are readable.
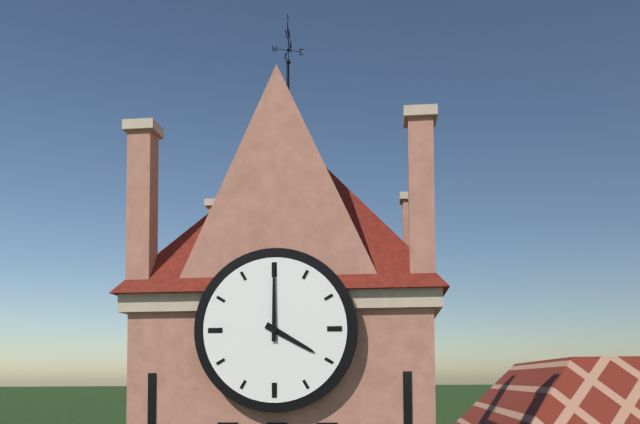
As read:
**4:00**
